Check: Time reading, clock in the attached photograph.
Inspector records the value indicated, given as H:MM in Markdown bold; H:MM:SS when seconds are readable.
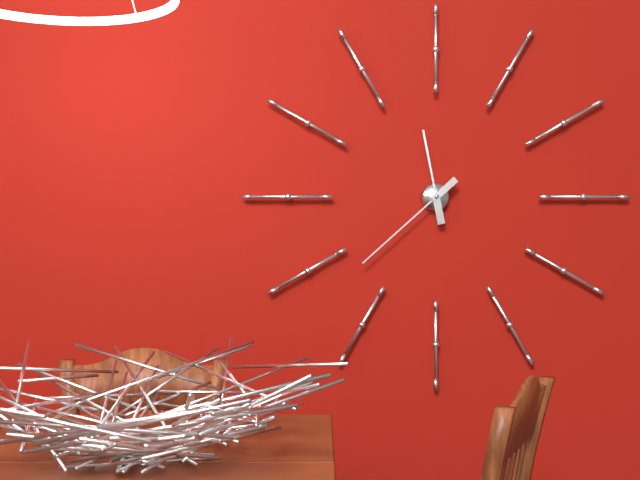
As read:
**11:38**
